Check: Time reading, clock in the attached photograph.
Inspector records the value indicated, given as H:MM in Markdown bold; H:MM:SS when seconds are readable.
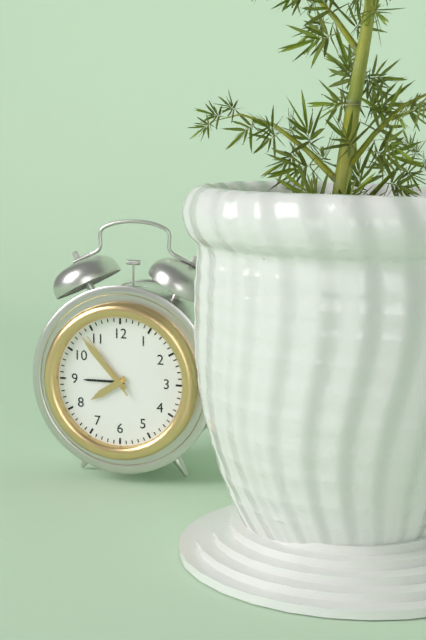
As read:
**7:53:54**
